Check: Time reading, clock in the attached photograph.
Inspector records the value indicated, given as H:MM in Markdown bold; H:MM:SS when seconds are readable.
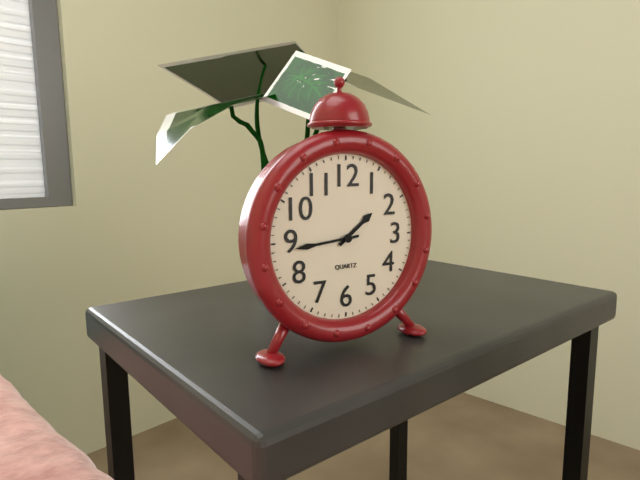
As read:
**1:44**
